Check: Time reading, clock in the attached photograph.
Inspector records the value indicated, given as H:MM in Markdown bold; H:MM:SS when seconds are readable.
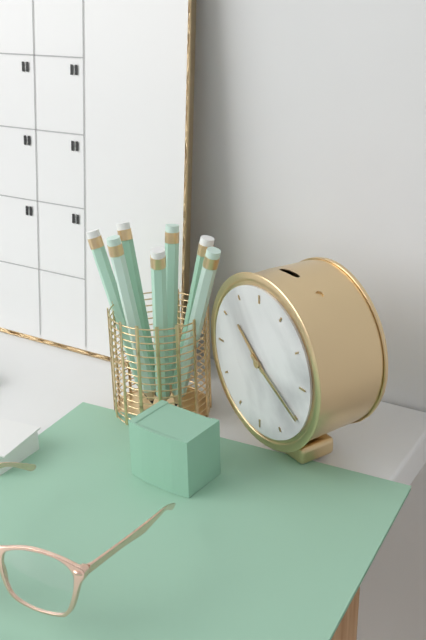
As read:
**10:20**
